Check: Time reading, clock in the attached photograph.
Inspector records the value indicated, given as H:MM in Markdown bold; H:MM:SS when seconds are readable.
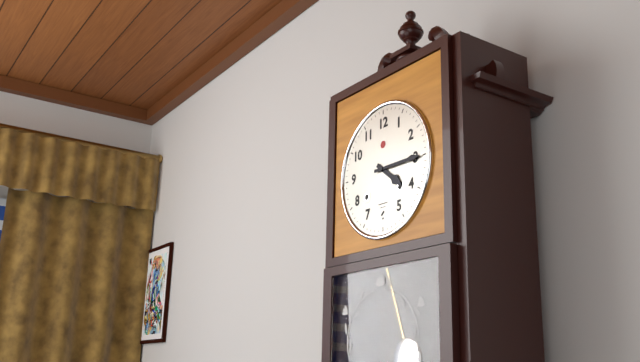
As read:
**4:15**
